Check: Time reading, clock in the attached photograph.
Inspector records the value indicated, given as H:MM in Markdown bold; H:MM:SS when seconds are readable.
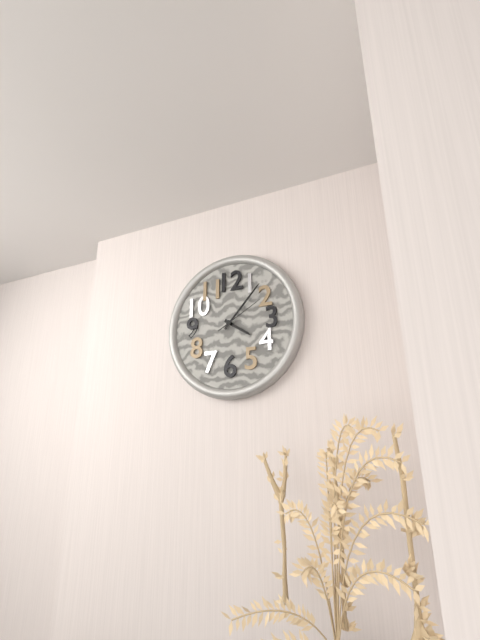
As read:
**4:07**
